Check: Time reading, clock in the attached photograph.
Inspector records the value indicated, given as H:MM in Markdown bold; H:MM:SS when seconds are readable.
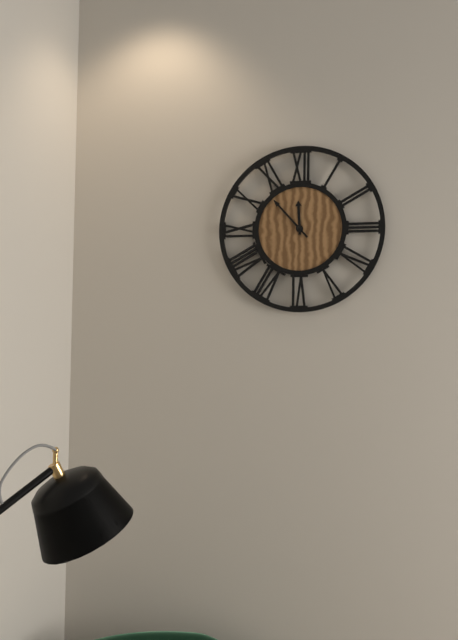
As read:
**11:53**
